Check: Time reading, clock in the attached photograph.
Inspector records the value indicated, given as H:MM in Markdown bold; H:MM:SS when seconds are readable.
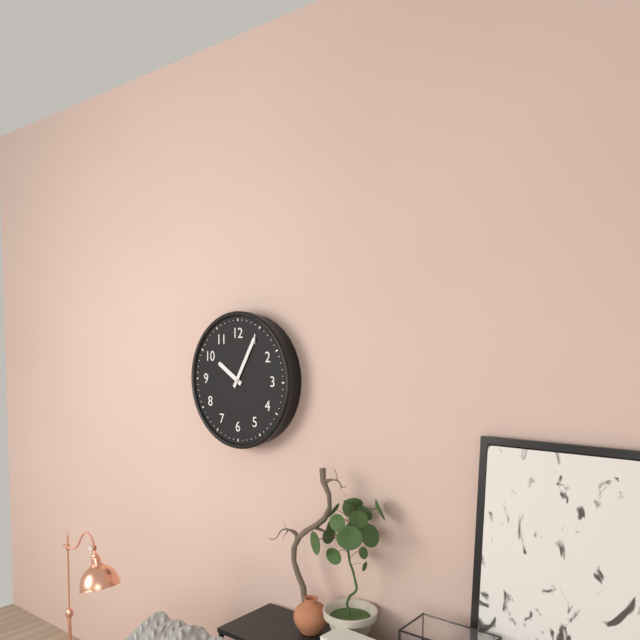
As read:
**10:05**
